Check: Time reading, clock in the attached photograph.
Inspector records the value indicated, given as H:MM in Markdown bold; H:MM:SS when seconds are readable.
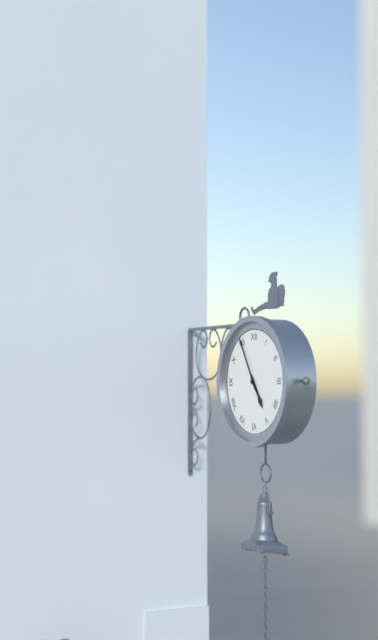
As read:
**4:55**
